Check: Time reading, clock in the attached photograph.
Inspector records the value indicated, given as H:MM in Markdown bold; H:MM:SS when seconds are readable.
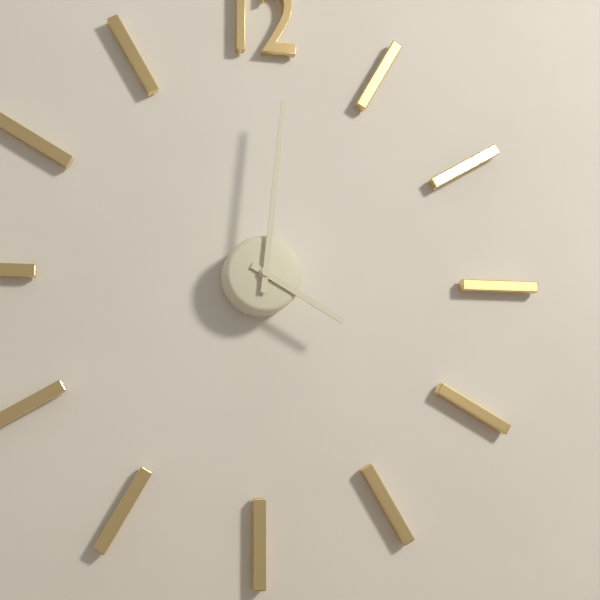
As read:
**4:01**
